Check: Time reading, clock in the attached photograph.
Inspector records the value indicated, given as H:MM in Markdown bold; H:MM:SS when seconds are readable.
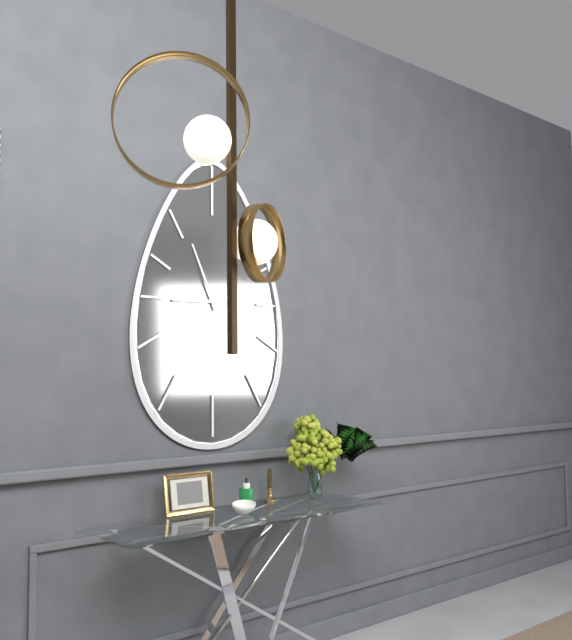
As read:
**8:56**
